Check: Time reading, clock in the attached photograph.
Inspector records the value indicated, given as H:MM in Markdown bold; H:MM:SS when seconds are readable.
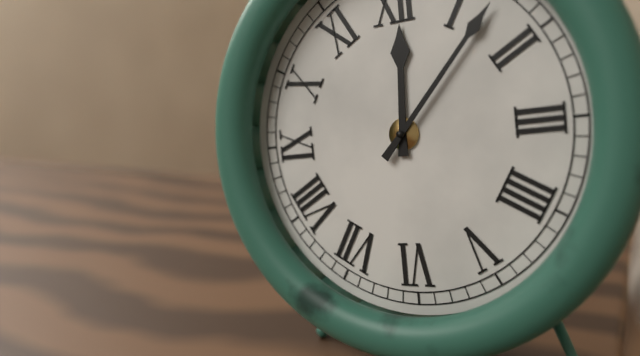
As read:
**12:07**
